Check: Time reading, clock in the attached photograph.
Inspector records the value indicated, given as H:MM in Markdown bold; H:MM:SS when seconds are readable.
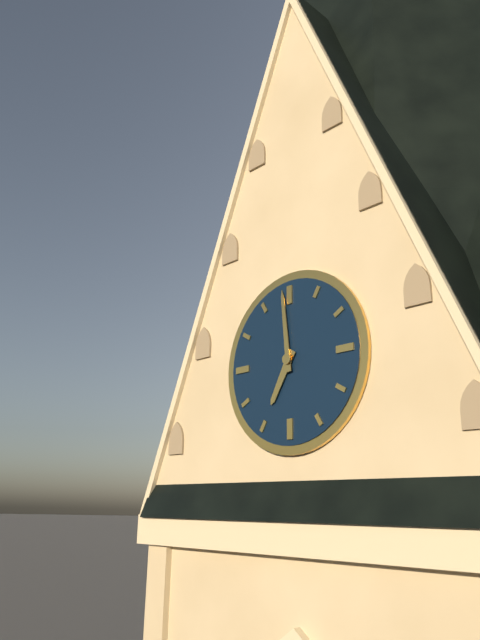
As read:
**6:59**
